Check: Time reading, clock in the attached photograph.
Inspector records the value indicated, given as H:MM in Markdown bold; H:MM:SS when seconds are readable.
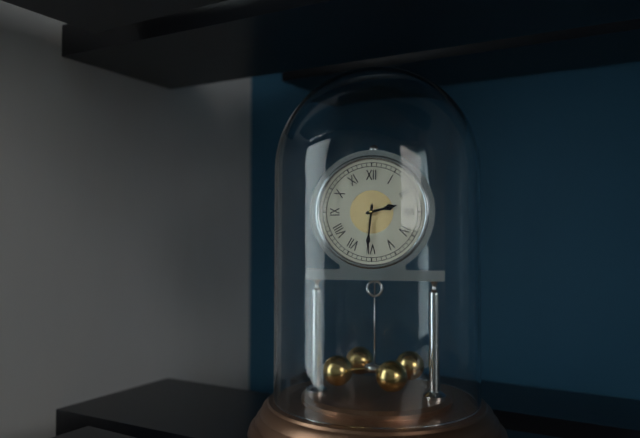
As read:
**2:31**
